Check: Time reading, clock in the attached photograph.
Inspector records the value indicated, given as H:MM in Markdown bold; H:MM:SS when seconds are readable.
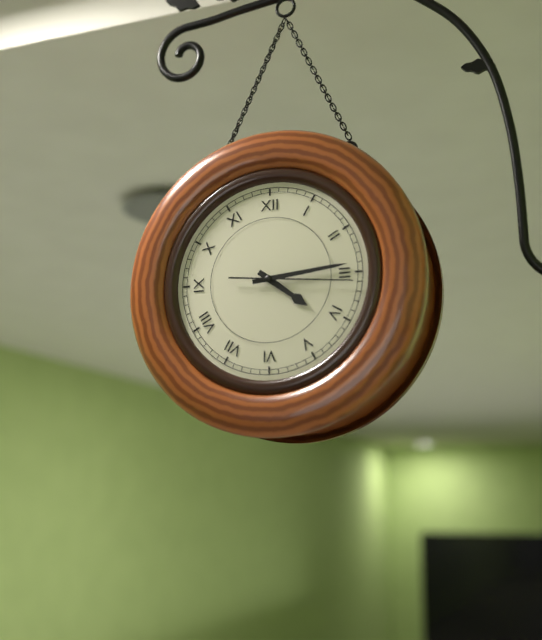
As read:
**4:14:16**
